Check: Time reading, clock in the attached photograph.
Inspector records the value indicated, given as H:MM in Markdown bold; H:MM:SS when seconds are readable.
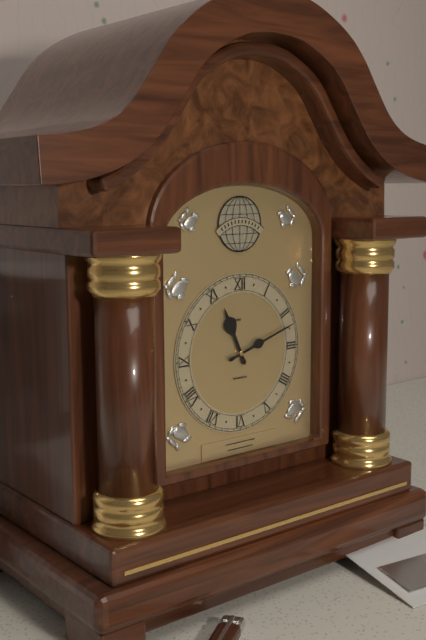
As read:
**11:12**
